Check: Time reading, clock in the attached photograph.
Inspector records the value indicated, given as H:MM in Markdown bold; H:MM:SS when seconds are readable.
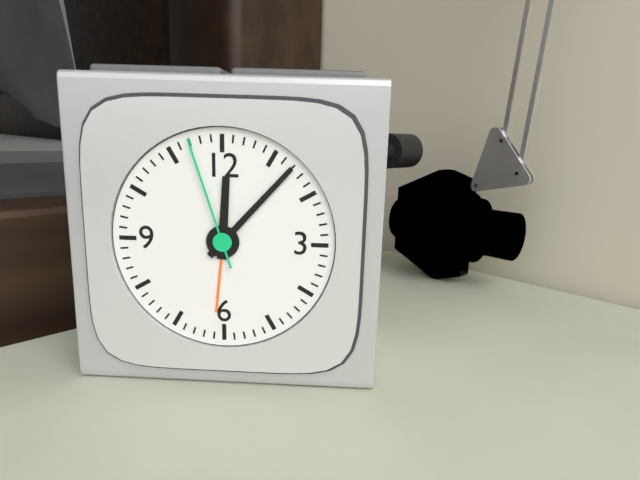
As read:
**12:07:57**
